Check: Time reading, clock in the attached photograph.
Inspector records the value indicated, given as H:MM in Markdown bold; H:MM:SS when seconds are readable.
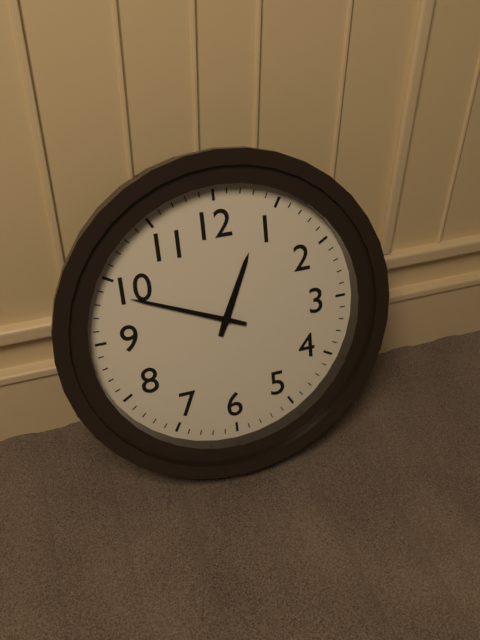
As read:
**12:49**
